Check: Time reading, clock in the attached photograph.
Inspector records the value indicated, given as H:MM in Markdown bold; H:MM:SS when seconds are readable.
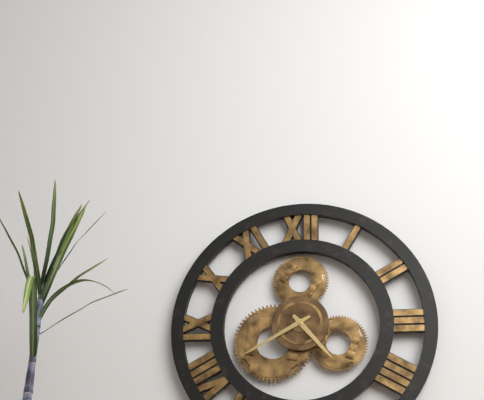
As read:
**4:40**
